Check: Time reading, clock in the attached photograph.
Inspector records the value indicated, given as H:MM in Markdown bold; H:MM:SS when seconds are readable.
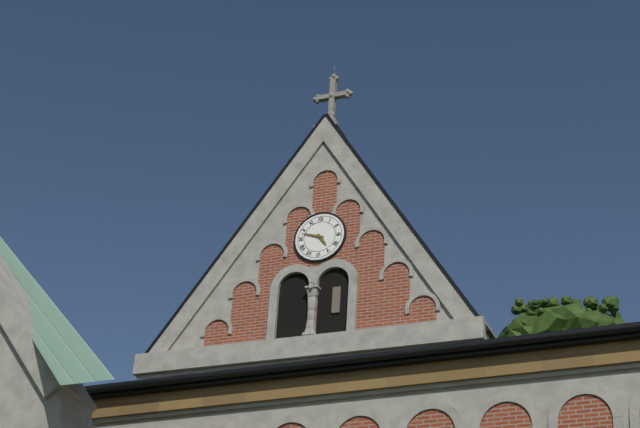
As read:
**4:48**
